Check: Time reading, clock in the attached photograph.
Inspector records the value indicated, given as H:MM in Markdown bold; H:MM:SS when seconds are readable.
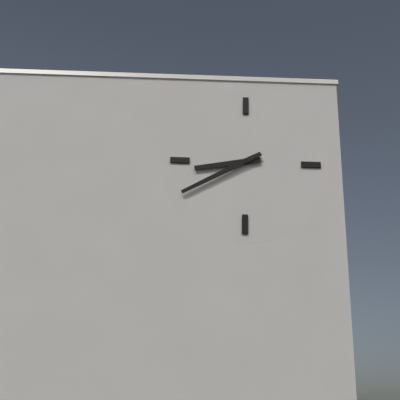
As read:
**8:40**
